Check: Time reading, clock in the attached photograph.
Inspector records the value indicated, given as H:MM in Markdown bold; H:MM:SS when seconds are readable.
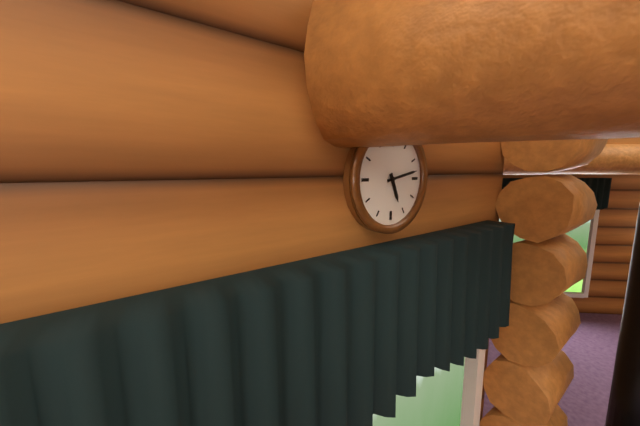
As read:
**5:13**
